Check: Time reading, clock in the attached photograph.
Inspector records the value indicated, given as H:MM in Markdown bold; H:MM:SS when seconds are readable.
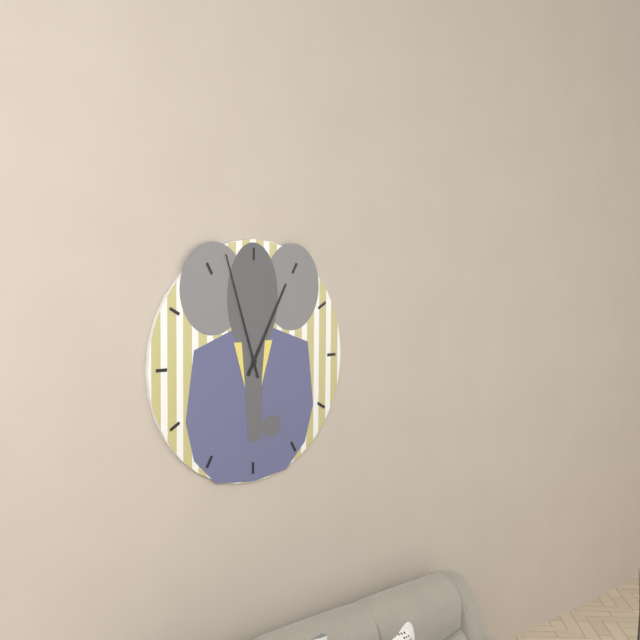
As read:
**12:57**
